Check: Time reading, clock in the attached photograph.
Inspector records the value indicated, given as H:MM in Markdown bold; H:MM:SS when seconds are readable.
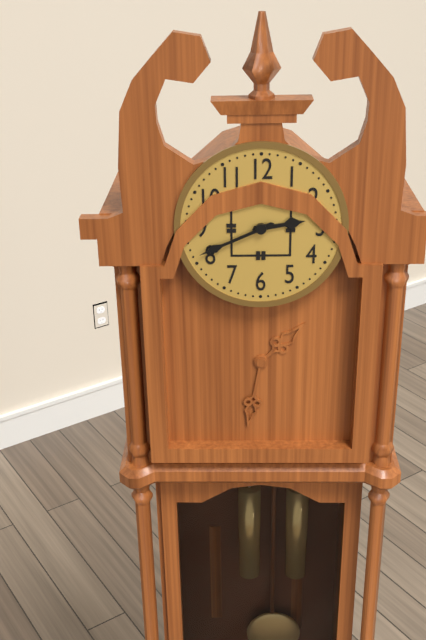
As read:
**2:41**
